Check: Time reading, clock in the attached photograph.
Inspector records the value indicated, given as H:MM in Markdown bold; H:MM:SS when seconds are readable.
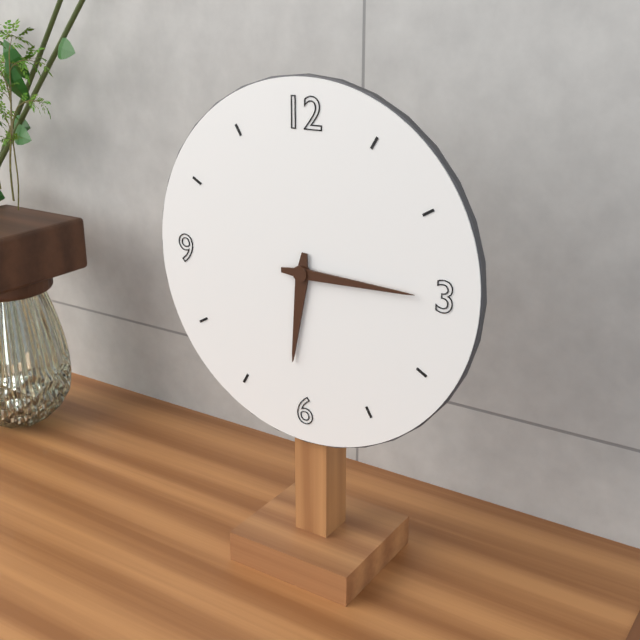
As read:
**6:15**
